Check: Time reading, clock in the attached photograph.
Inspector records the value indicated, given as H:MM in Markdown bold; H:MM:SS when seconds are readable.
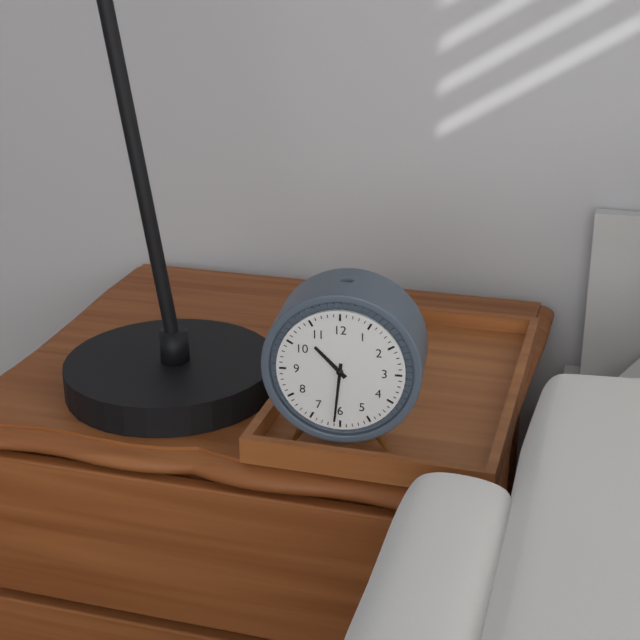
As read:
**10:31**
